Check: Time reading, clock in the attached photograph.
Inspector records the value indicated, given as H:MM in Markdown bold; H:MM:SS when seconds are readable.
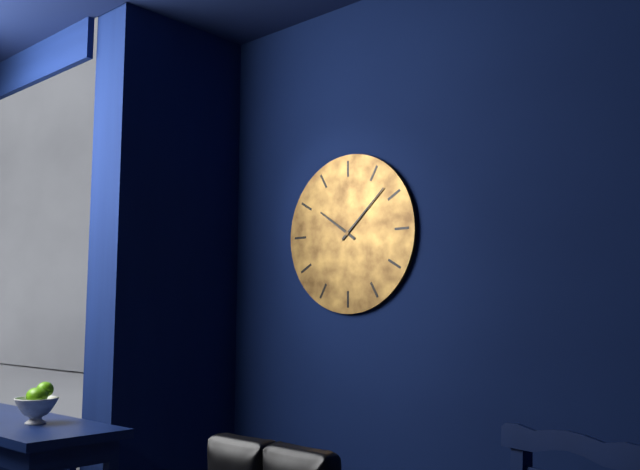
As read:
**10:08**
